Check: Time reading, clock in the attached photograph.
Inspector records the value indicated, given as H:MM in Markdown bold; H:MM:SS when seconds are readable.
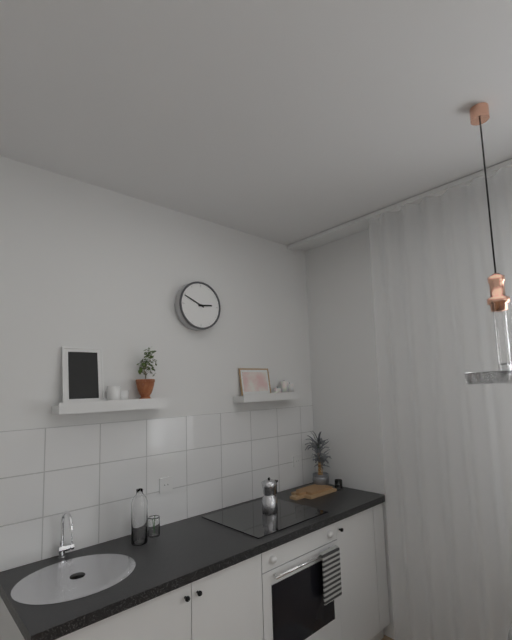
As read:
**2:49**
